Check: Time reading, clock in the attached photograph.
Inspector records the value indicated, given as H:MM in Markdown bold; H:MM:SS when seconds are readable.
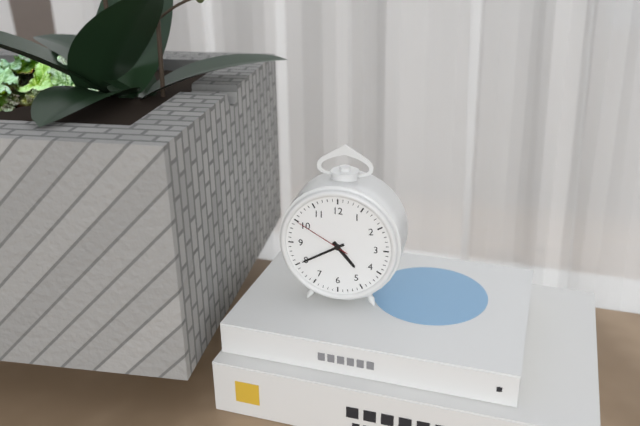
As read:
**4:40:50**
